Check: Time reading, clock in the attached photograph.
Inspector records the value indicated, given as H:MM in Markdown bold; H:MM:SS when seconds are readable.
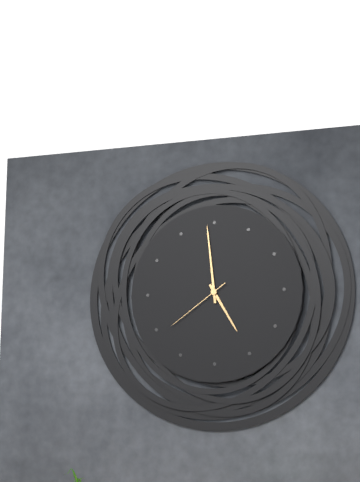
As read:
**4:59:39**
